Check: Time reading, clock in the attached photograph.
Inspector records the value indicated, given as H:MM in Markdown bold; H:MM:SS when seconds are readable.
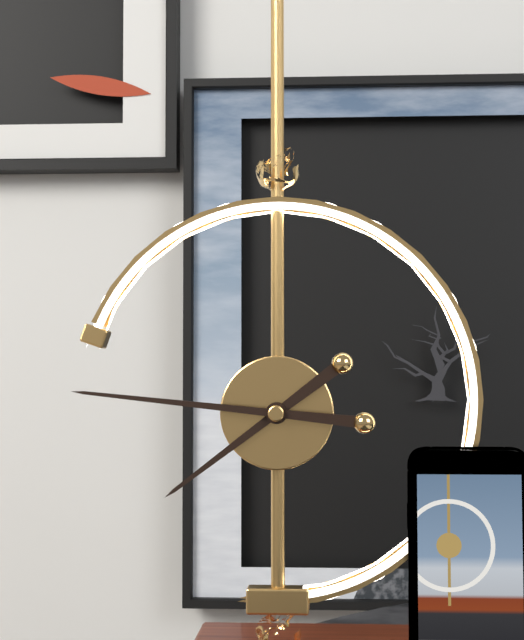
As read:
**7:46**
